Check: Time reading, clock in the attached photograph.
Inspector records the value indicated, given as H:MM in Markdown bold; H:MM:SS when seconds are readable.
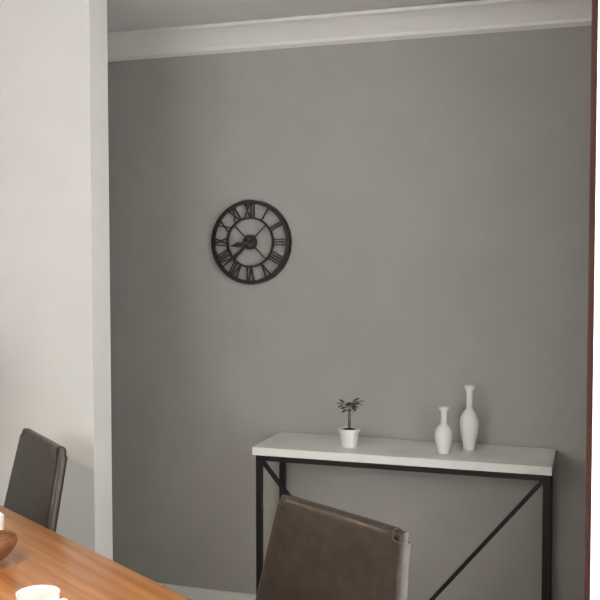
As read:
**8:38**
